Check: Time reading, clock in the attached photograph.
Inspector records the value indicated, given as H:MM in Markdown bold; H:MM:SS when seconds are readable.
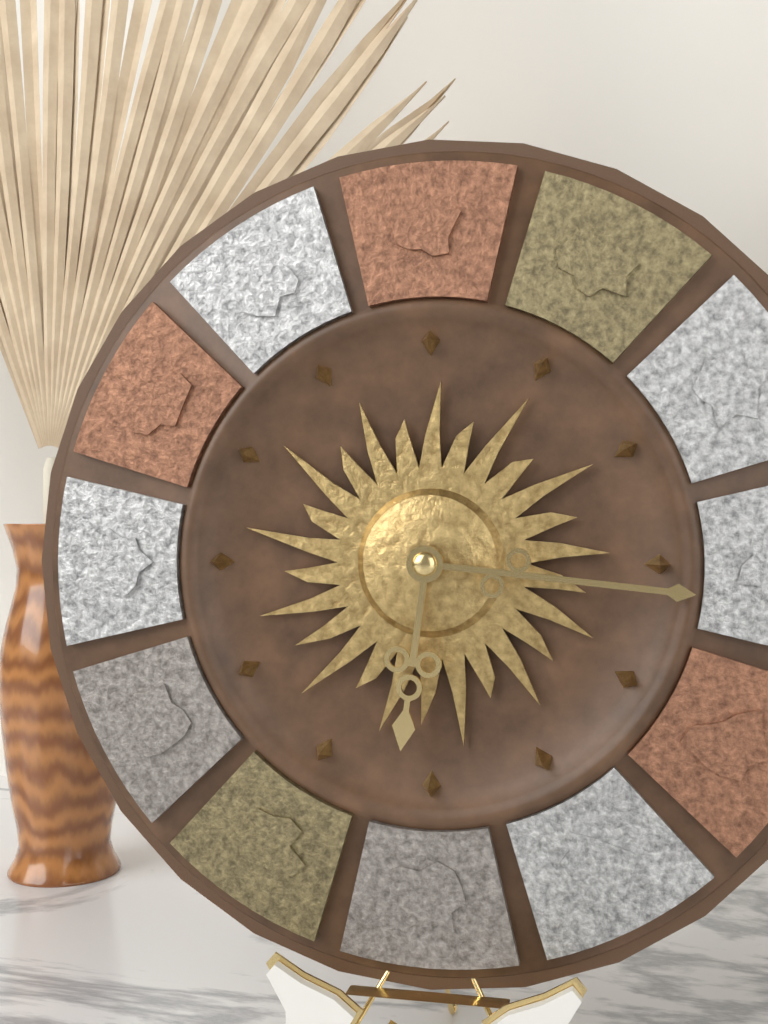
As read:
**6:16**
